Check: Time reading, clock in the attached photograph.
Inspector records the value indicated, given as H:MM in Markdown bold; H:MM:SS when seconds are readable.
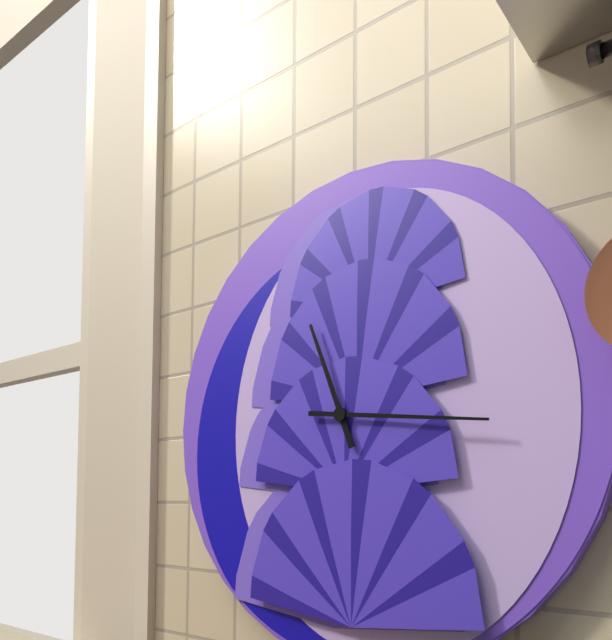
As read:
**11:16**
